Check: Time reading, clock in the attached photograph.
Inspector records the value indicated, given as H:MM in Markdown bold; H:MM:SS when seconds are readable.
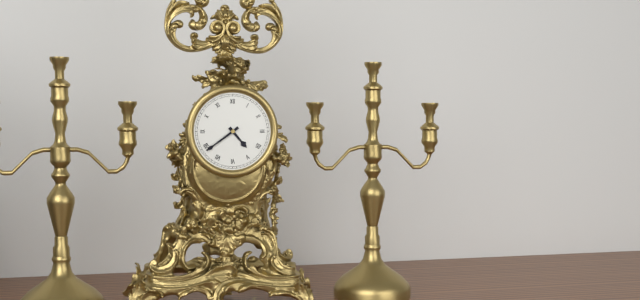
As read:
**4:39**
